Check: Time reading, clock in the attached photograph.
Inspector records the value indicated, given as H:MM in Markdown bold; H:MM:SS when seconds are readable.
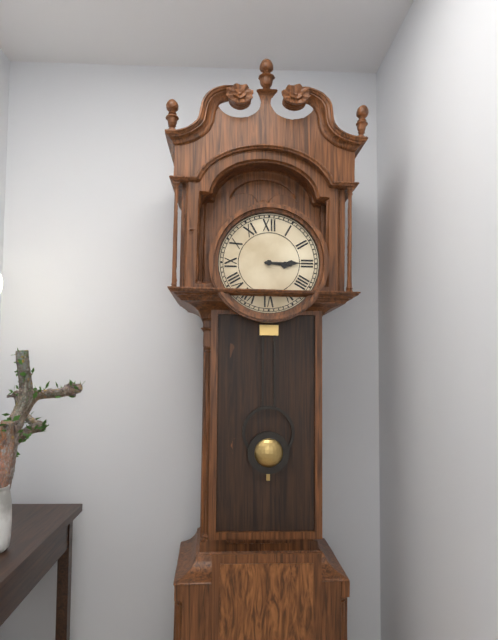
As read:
**3:15**
